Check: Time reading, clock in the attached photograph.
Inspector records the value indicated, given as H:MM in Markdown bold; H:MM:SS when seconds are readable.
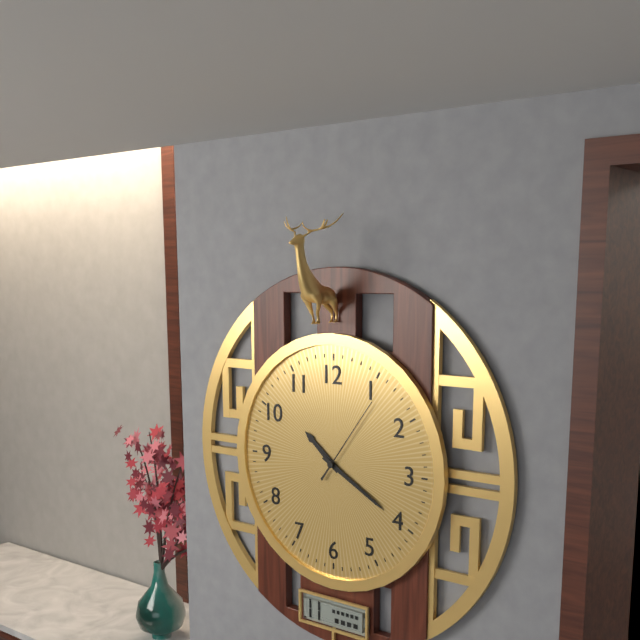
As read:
**10:20:06**
